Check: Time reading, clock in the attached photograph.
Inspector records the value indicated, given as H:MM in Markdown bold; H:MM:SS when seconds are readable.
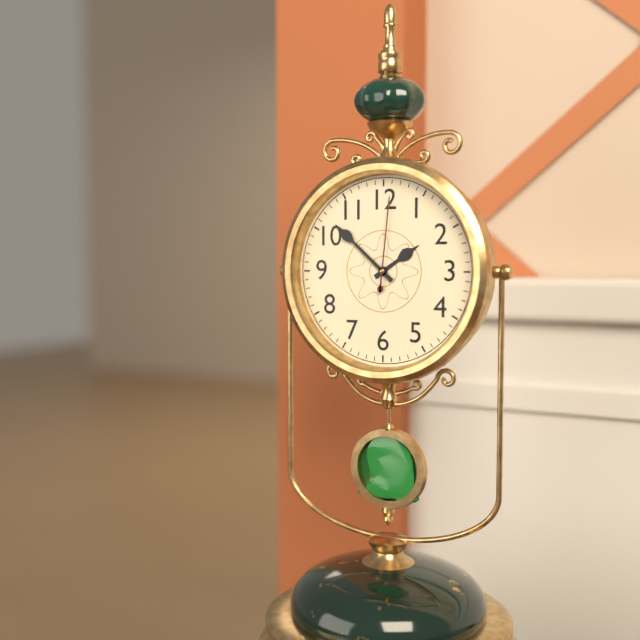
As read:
**1:52:01**
